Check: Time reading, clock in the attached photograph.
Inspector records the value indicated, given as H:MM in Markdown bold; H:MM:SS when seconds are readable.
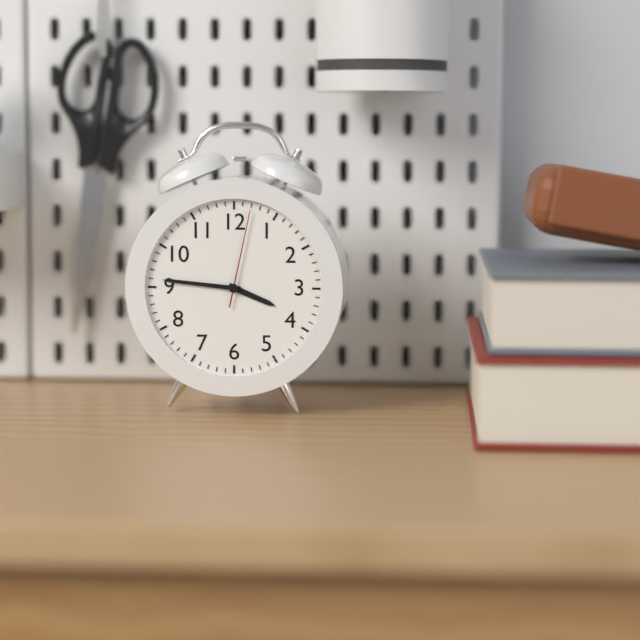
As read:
**3:46:02**
